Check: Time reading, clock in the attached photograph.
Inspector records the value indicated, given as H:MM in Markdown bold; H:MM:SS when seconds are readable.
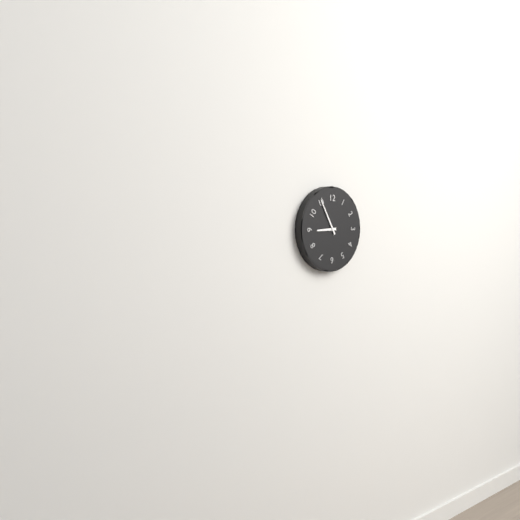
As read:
**8:55**
